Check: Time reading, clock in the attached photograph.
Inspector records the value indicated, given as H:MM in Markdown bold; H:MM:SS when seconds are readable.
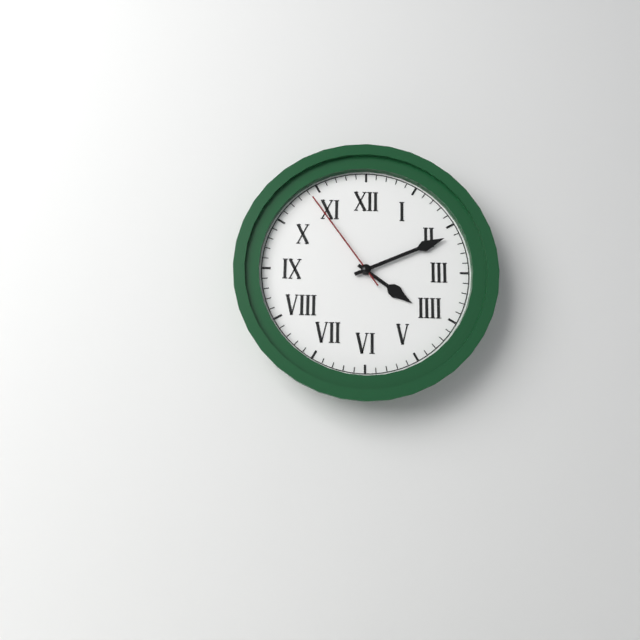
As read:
**4:11:54**
